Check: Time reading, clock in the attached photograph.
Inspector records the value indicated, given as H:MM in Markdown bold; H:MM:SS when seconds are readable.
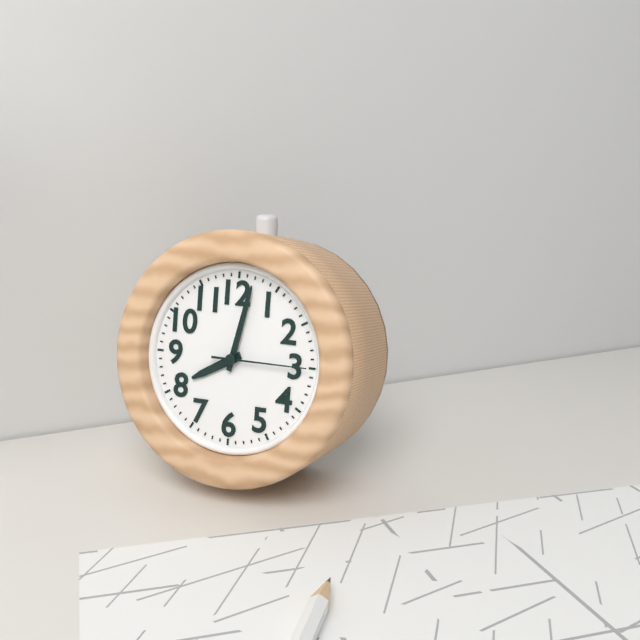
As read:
**8:02:15**
